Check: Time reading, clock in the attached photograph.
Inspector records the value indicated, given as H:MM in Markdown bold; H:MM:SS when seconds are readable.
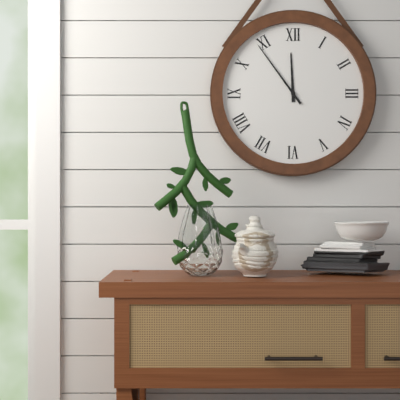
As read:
**11:54**
